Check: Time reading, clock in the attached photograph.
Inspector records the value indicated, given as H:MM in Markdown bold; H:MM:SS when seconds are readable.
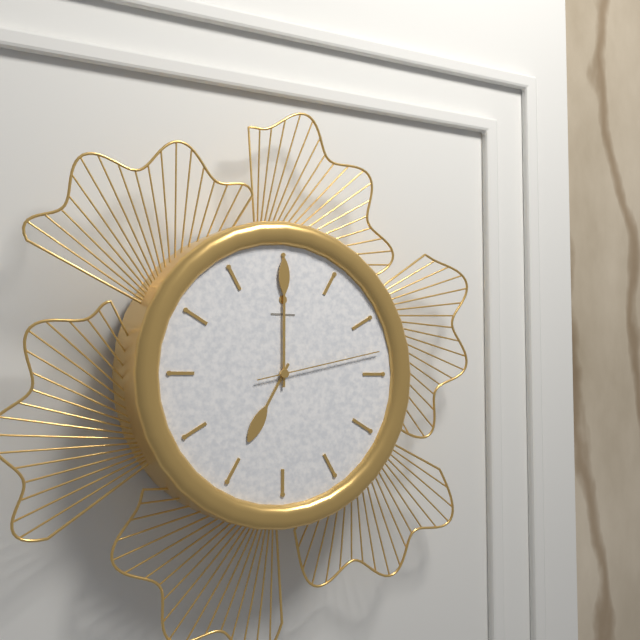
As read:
**7:00:13**
